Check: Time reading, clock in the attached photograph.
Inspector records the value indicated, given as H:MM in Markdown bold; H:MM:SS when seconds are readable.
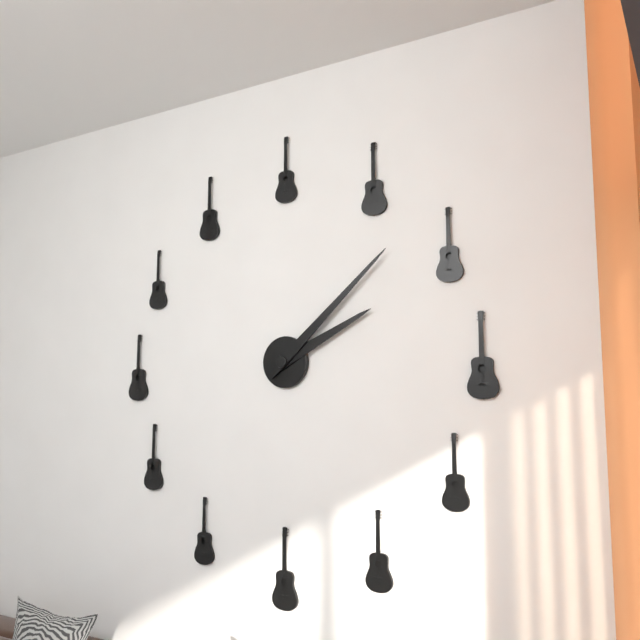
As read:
**2:08**
